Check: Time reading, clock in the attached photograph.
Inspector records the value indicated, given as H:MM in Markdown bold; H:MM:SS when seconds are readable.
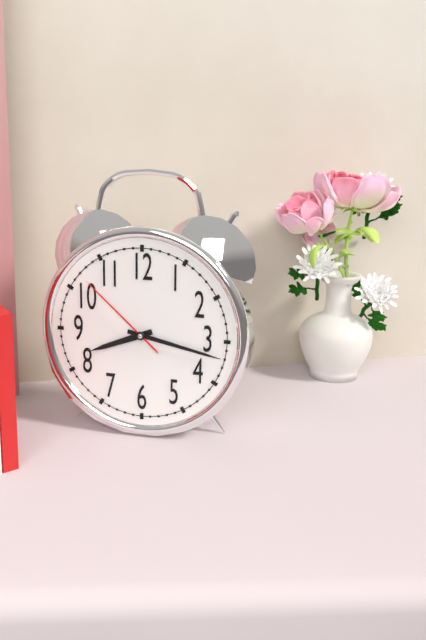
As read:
**8:17:52**
